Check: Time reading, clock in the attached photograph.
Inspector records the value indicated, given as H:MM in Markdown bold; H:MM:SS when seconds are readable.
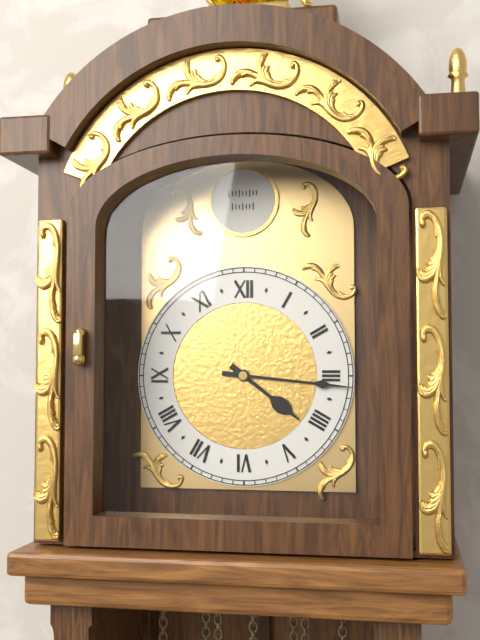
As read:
**4:16**
